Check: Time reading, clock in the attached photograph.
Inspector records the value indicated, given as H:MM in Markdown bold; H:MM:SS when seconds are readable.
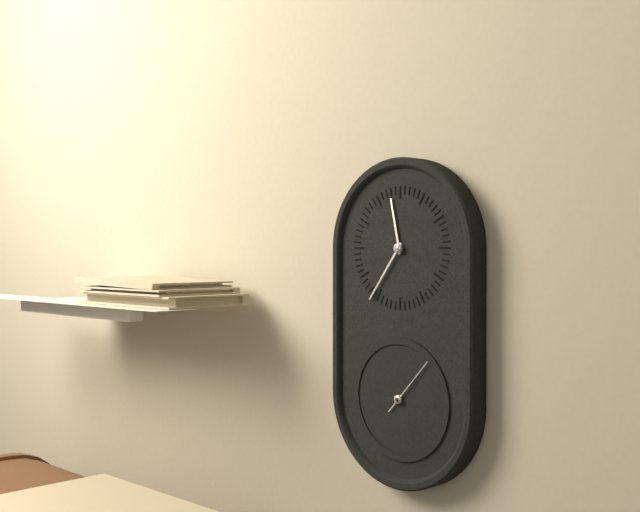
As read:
**11:36:07**
